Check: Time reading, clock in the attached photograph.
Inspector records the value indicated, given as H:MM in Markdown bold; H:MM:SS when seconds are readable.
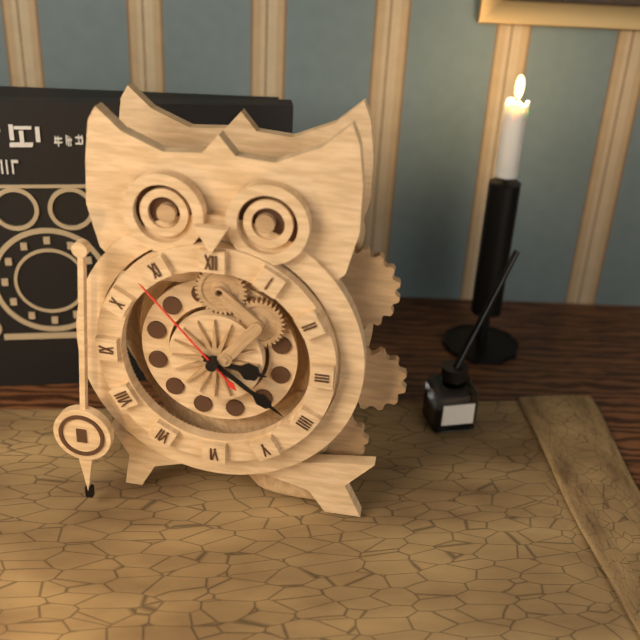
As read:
**3:21:53**
